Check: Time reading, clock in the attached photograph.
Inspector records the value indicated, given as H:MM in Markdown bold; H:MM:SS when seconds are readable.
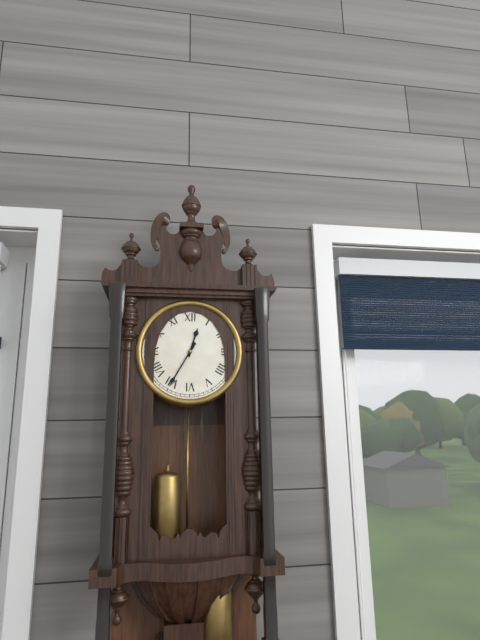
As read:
**12:35**
